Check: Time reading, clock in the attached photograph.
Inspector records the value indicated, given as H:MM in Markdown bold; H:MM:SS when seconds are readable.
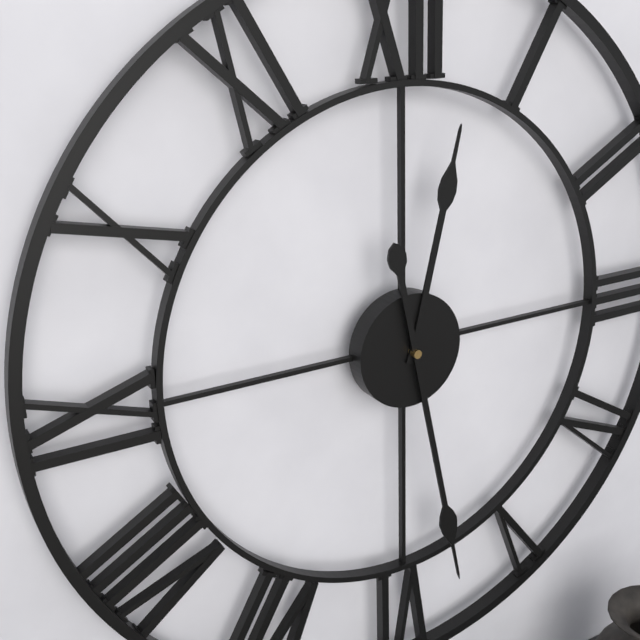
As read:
**12:28**
